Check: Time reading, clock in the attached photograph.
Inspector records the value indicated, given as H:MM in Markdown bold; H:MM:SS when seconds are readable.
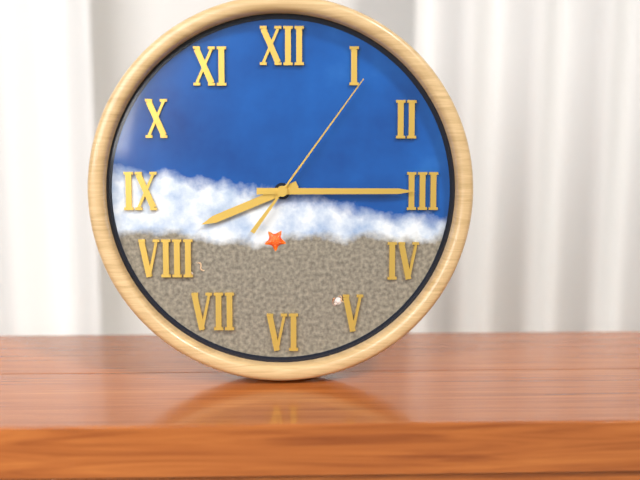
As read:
**8:15:06**
